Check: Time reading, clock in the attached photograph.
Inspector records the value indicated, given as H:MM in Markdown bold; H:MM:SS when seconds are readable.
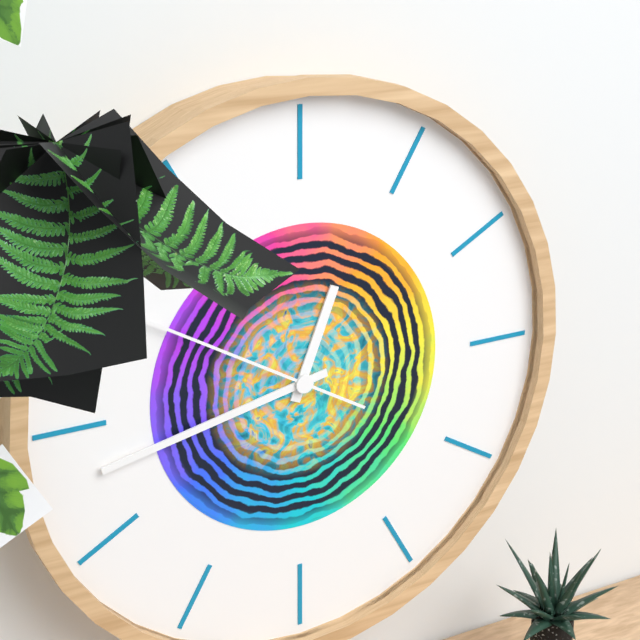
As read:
**12:43:50**
